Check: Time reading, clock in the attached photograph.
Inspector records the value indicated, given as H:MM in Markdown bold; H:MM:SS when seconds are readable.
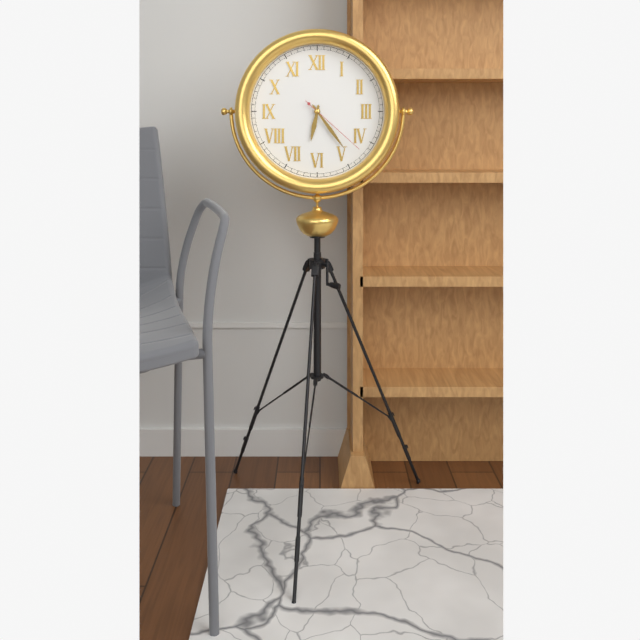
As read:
**6:24:22**
